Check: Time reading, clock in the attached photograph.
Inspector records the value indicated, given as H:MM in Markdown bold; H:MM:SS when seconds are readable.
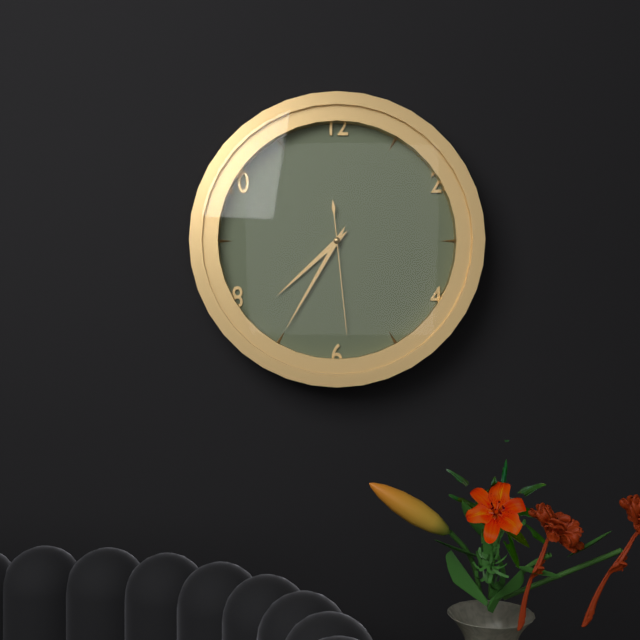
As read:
**7:35:29**
